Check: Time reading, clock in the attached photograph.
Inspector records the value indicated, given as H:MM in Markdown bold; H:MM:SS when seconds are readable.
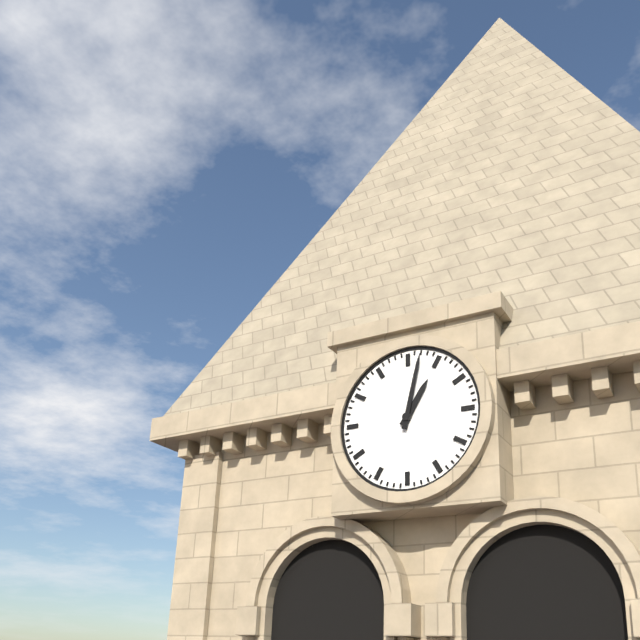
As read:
**1:02**
